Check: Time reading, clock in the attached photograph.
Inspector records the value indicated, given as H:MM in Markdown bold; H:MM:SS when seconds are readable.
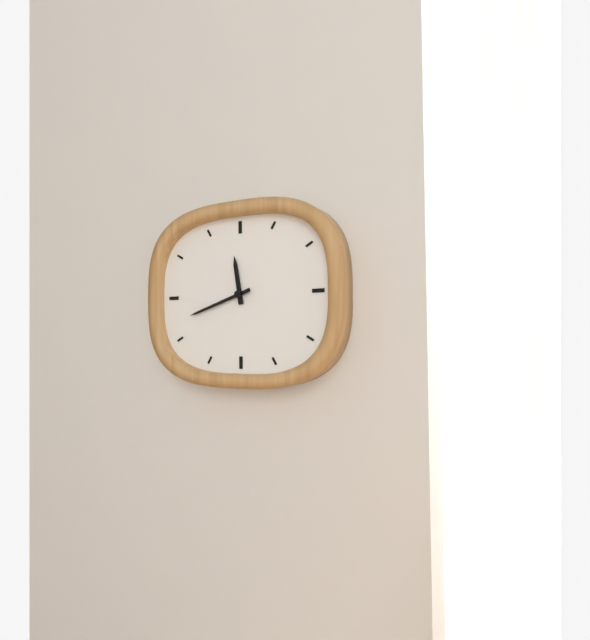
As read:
**11:42**
